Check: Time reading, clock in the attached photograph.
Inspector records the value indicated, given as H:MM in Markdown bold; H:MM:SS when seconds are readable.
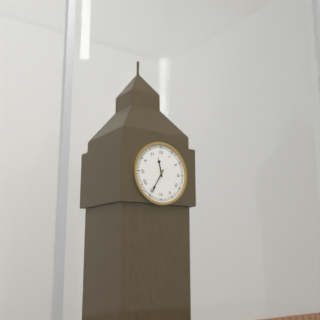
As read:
**11:35**
